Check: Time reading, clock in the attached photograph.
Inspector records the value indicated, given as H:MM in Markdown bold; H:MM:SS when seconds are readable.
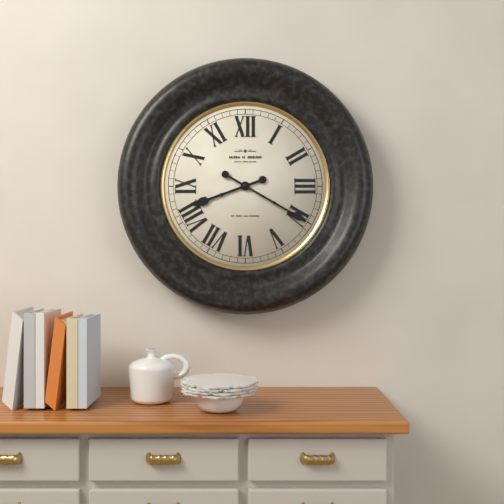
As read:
**8:20**
